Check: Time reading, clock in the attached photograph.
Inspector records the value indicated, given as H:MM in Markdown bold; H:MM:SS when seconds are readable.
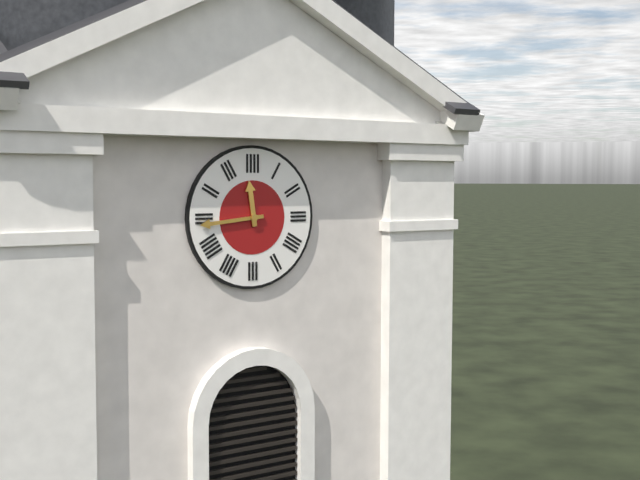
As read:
**11:44**
